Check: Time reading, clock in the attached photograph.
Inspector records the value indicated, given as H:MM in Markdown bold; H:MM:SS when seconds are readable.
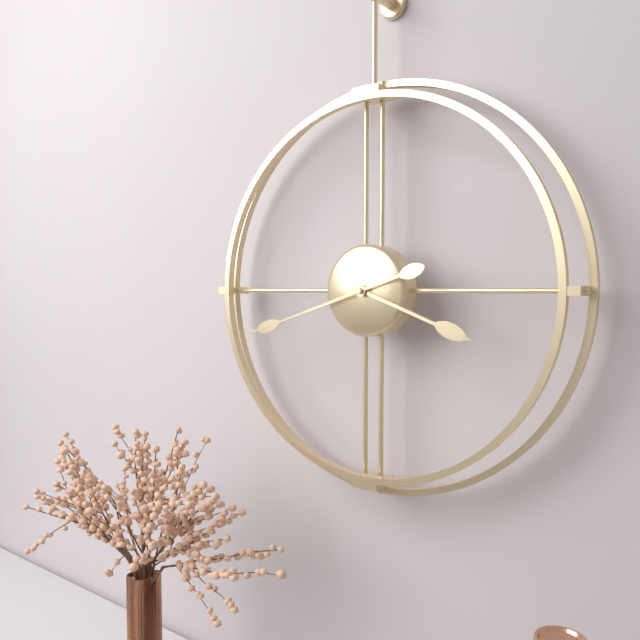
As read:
**3:42**
